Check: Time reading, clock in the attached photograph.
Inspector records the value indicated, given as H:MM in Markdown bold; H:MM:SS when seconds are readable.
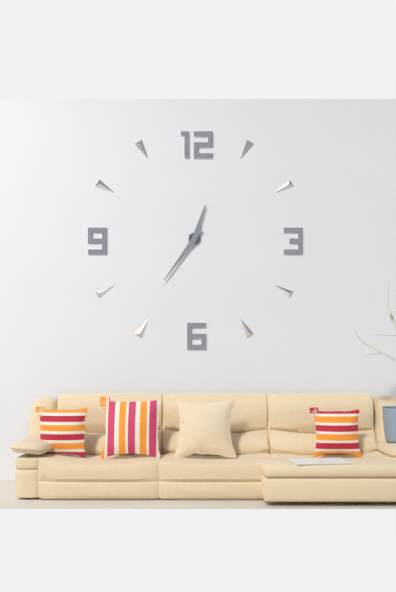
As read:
**12:36**
